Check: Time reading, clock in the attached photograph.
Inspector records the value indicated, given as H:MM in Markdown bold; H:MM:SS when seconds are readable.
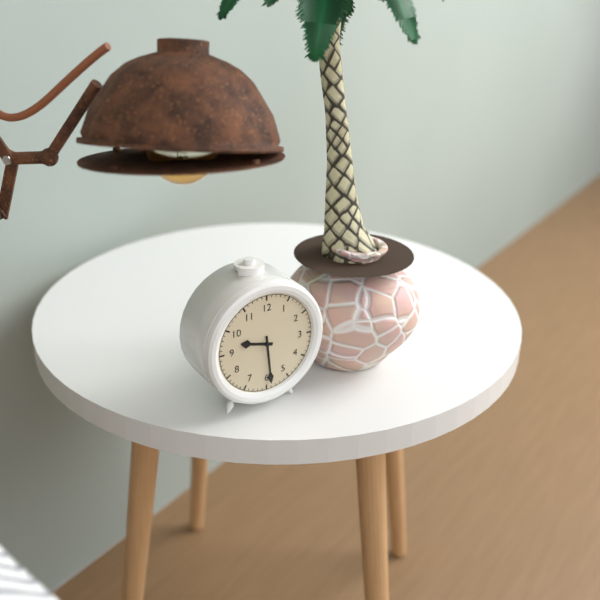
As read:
**9:29**
